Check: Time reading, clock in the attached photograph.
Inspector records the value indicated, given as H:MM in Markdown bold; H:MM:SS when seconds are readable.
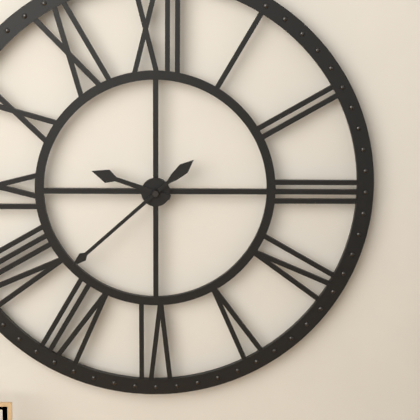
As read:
**9:38**
